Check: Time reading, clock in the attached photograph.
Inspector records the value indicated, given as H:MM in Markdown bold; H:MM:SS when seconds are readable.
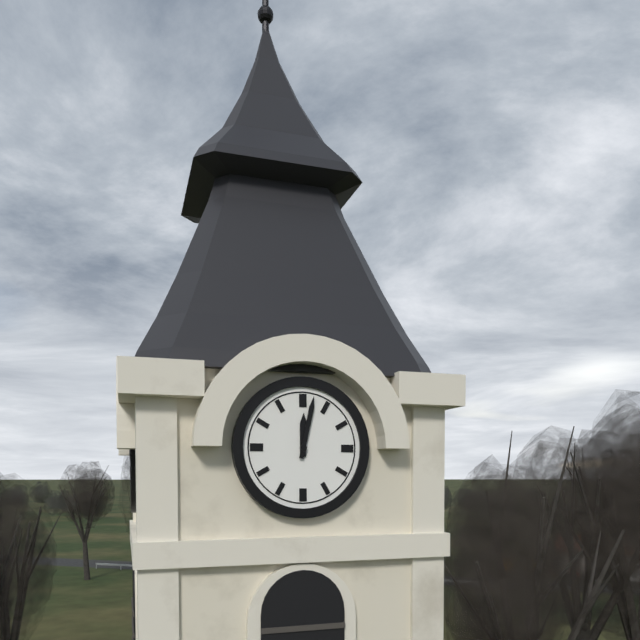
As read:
**12:02**
